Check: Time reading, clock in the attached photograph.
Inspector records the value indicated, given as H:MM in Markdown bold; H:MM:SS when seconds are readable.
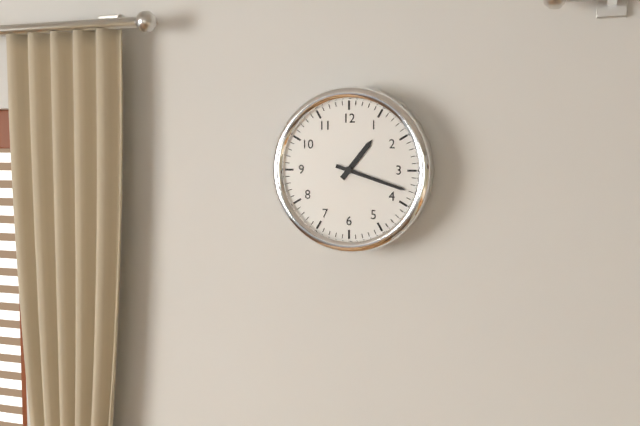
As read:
**1:18**
